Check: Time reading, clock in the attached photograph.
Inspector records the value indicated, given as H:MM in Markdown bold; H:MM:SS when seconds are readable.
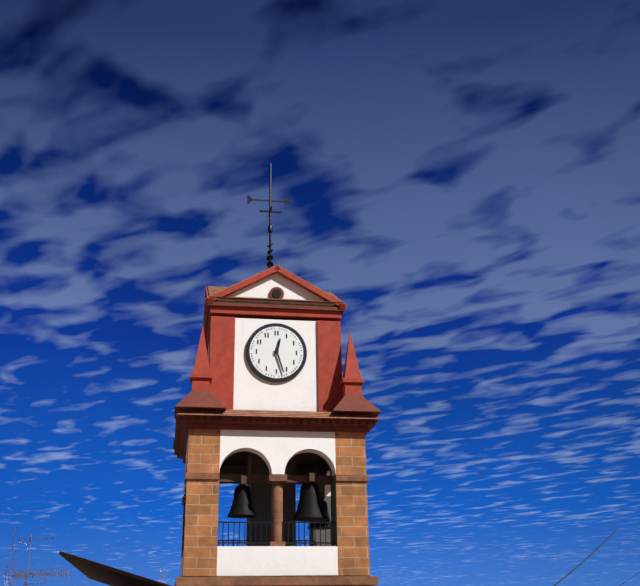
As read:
**12:27**
